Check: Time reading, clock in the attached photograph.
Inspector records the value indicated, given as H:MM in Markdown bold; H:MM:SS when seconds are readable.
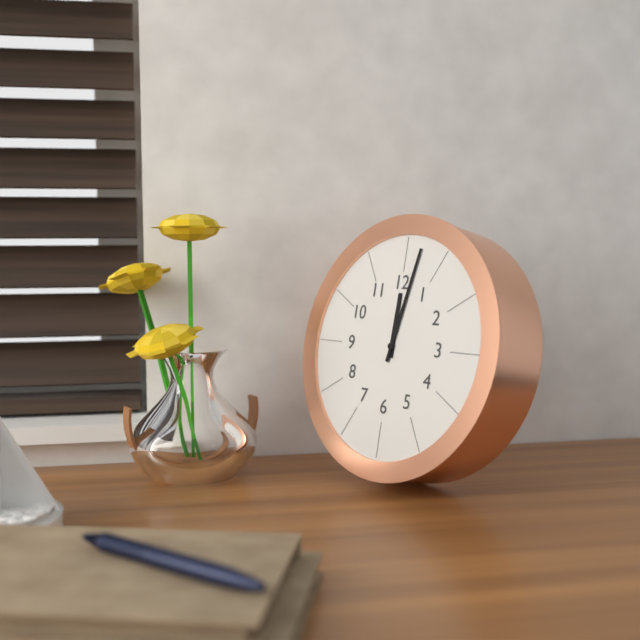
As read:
**12:02**
